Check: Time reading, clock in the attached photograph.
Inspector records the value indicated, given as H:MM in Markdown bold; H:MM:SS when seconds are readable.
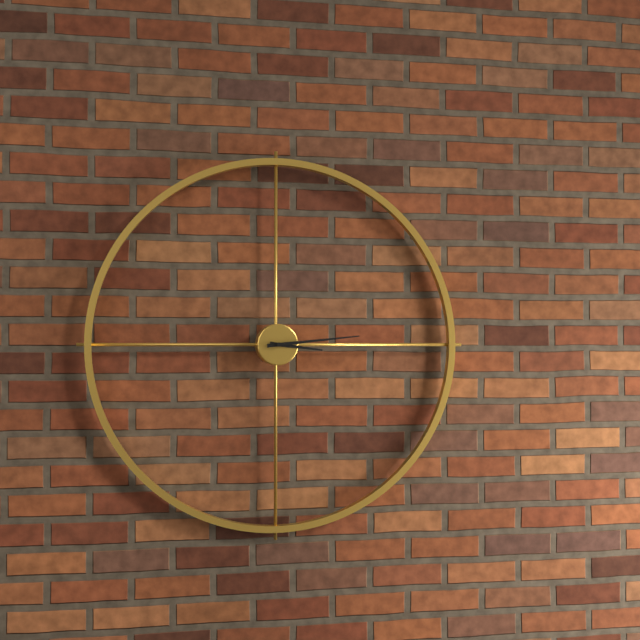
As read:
**3:14**
